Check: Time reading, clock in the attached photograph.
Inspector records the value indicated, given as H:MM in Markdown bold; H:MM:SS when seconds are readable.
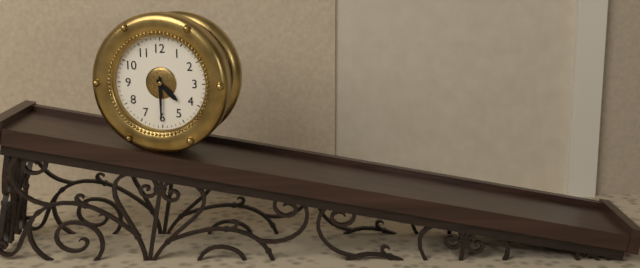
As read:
**4:30**
